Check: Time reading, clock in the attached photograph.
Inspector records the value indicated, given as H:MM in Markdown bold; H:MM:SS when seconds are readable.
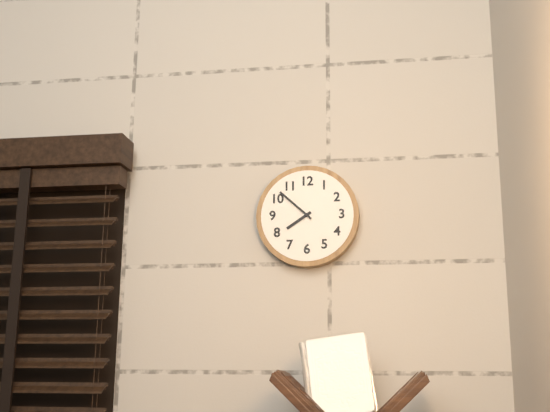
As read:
**7:52**
